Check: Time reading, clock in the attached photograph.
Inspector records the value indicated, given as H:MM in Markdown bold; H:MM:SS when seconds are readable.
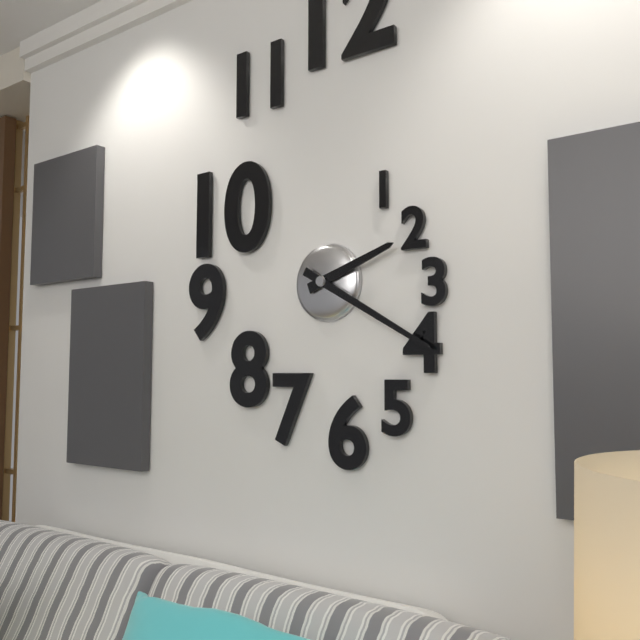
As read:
**2:20**
